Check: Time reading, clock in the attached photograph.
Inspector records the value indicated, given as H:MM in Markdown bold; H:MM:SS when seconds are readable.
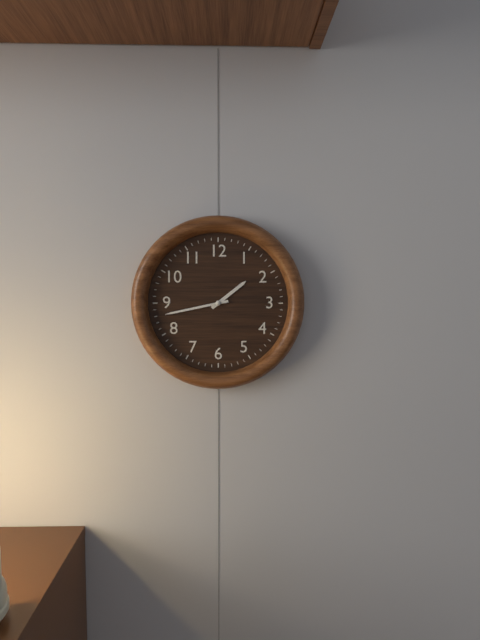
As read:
**1:43**
